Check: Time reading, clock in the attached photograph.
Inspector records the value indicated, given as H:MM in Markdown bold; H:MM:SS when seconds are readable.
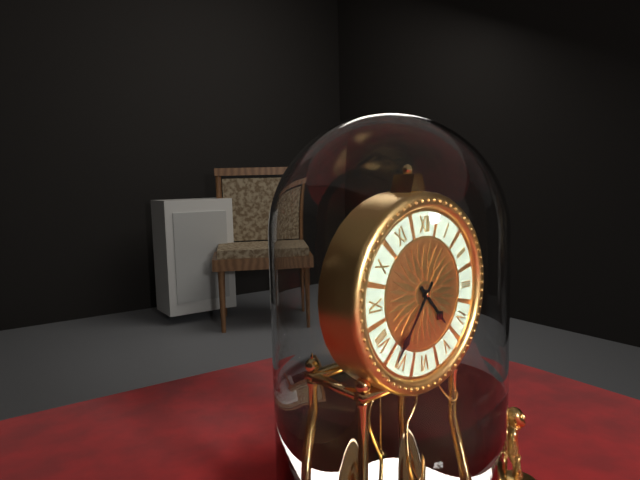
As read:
**4:36**
